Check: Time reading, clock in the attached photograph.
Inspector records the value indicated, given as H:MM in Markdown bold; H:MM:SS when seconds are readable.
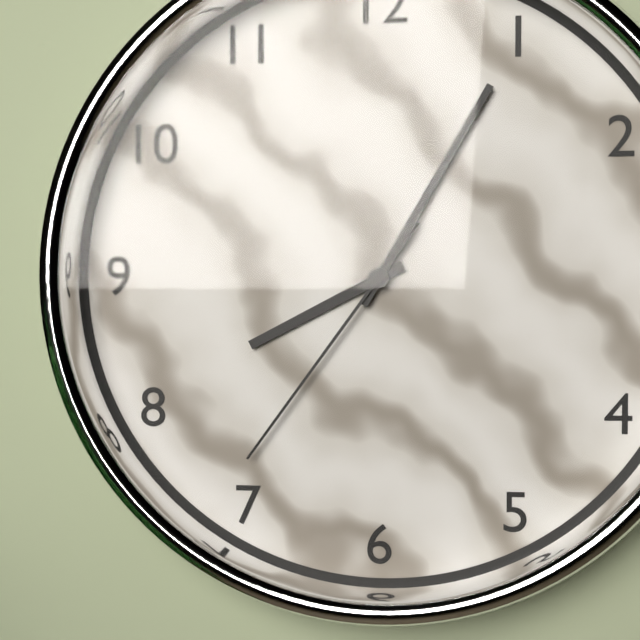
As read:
**8:05:36**
